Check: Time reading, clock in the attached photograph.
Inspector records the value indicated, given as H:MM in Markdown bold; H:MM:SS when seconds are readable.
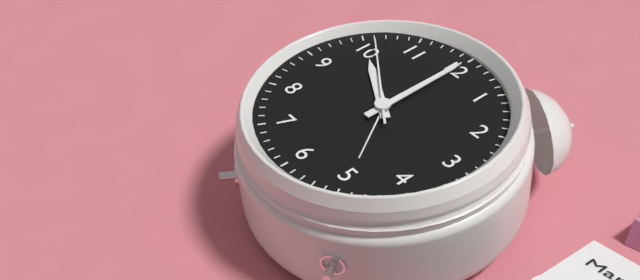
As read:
**10:00:51**
